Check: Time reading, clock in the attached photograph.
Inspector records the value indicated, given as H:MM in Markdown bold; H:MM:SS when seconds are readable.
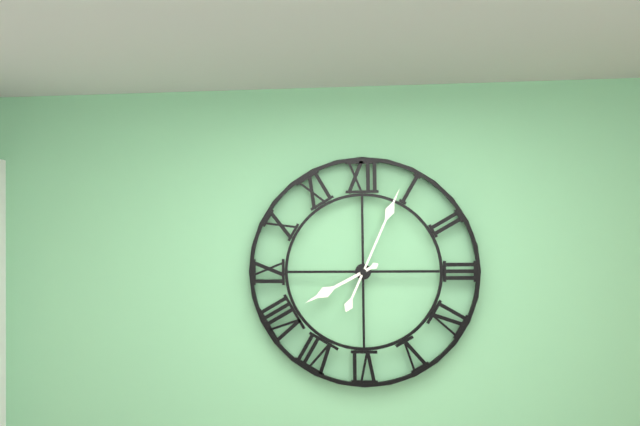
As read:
**8:04**
